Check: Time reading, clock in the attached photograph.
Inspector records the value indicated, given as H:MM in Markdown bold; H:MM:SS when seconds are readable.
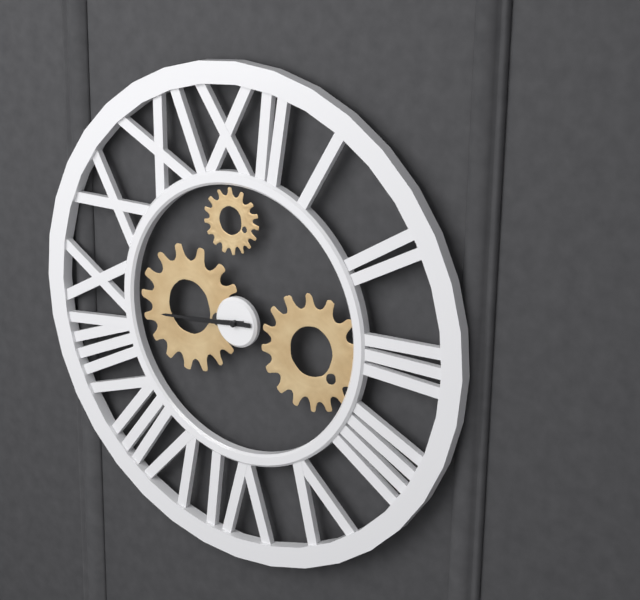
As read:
**8:44**
